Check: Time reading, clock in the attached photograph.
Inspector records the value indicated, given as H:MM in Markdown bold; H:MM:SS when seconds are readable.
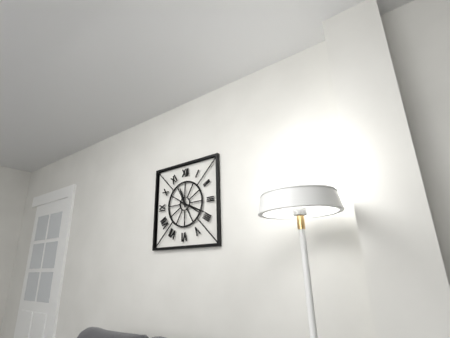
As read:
**11:19**
